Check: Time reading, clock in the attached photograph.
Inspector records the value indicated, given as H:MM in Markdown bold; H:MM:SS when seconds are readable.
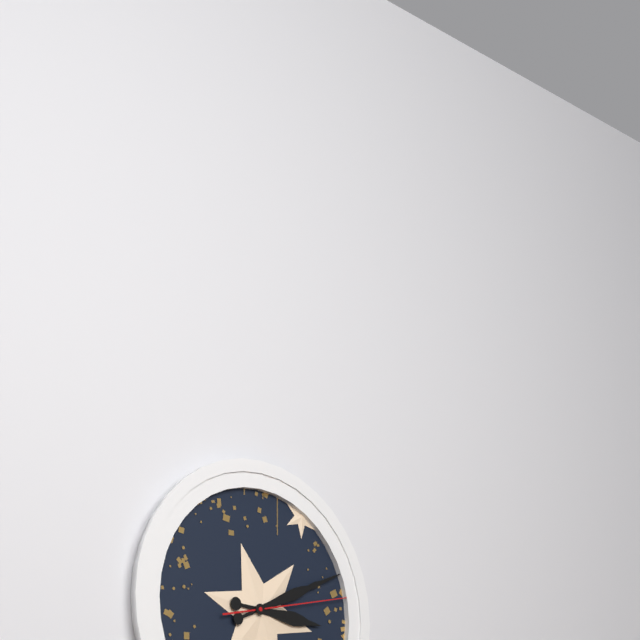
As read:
**3:11:13**
